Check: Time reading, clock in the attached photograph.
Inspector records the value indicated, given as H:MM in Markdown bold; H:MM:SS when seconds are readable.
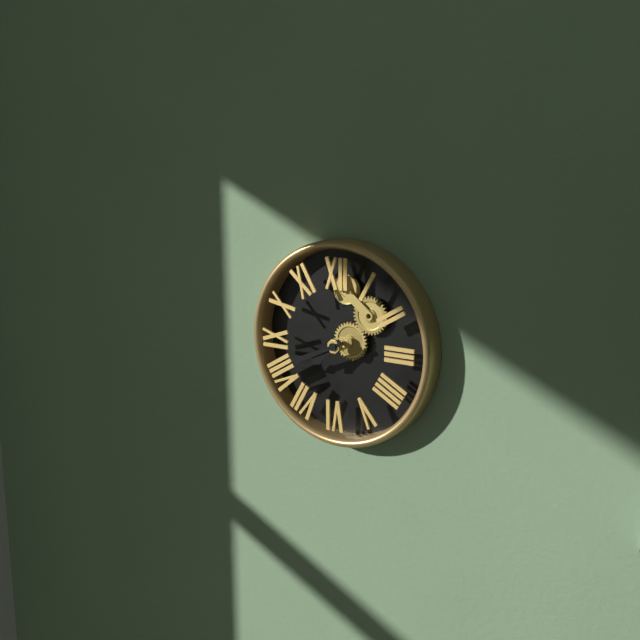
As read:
**7:41**
